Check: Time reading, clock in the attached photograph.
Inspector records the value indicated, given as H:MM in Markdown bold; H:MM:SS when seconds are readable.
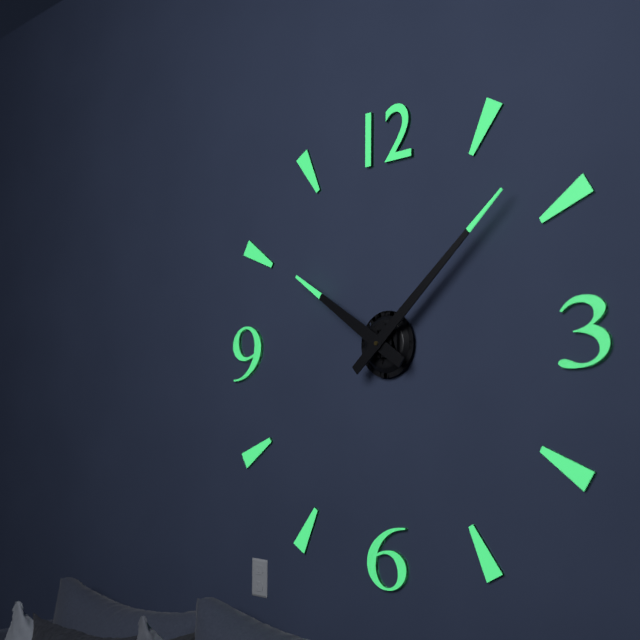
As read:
**10:08**
